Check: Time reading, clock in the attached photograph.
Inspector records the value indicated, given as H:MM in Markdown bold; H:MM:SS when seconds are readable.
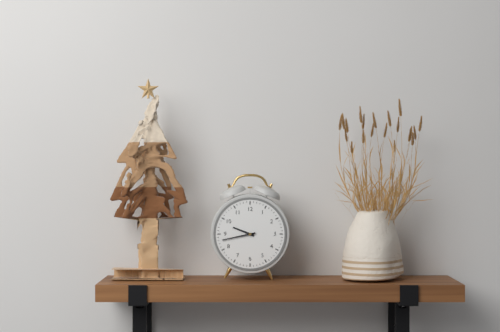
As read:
**9:43**
